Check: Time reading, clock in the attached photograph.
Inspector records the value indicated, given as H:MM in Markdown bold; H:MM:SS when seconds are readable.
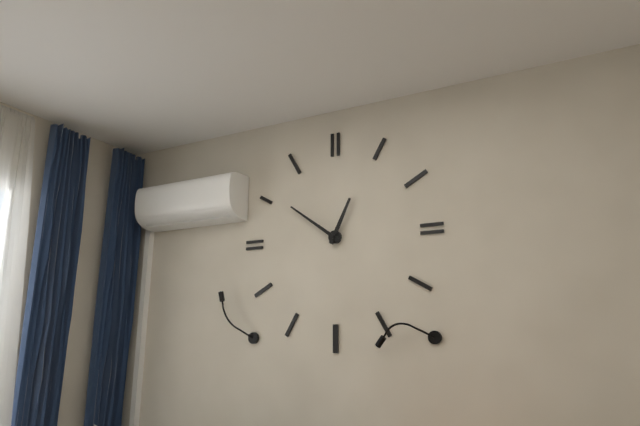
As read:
**12:51**
